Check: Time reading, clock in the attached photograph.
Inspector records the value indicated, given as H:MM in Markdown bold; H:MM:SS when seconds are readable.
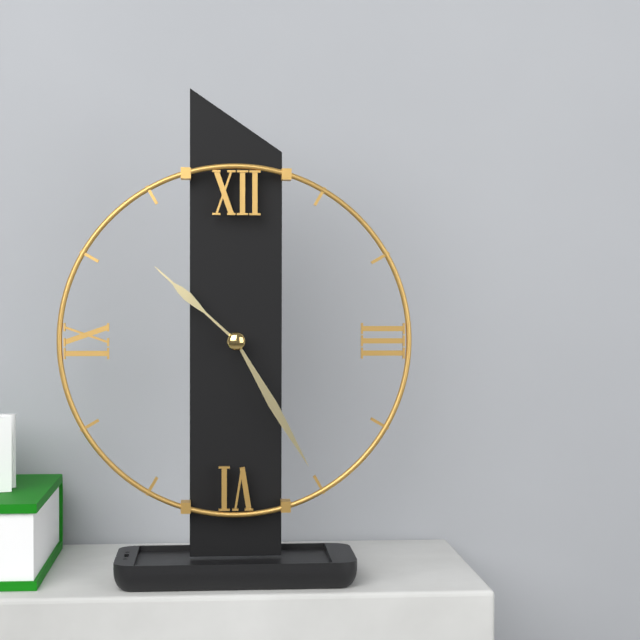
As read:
**10:25**
